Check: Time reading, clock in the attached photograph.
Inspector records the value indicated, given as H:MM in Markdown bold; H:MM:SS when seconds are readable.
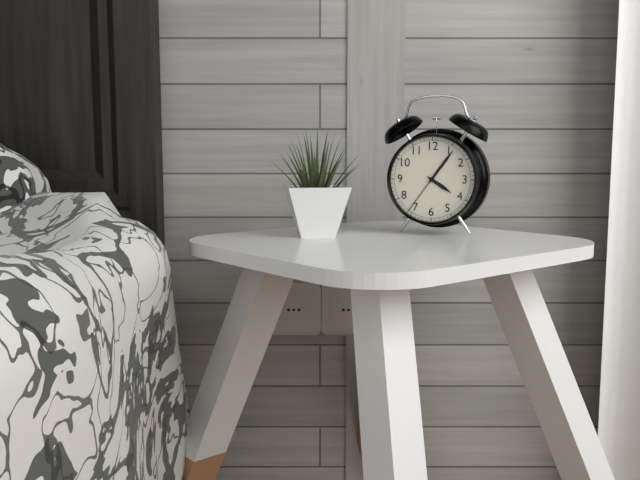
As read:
**4:06**
